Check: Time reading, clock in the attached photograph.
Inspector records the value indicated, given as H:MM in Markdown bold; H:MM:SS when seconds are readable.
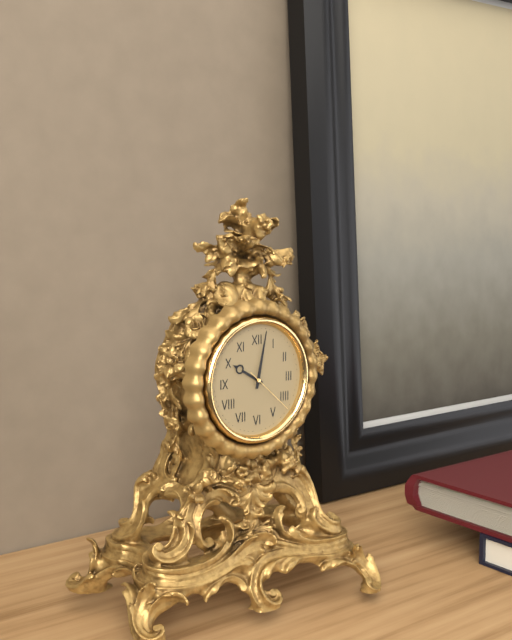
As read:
**10:02:22**
